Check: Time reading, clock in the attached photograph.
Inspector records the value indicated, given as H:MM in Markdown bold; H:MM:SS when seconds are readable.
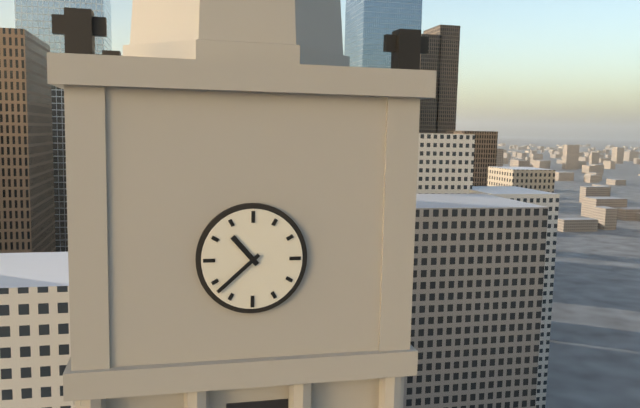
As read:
**10:38**
